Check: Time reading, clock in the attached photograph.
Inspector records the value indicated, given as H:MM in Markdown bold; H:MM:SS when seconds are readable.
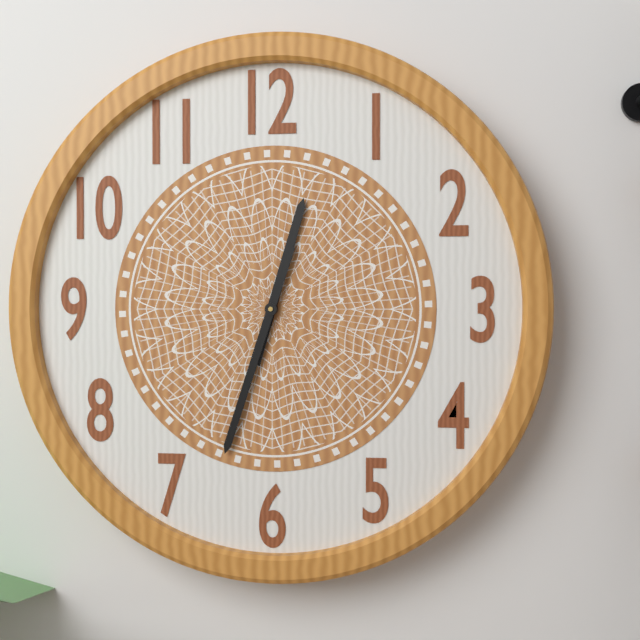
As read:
**12:33**
